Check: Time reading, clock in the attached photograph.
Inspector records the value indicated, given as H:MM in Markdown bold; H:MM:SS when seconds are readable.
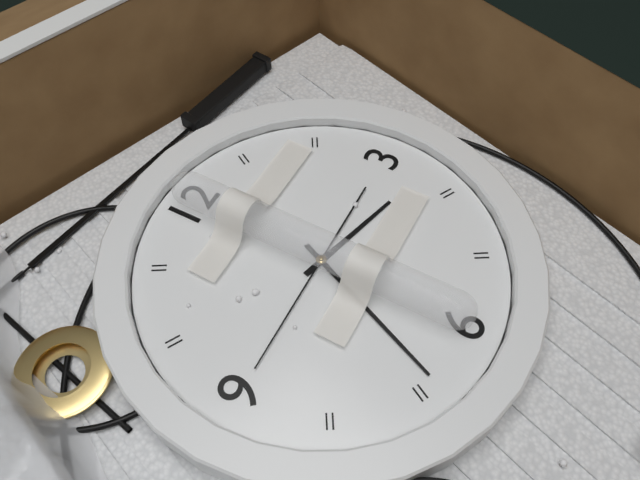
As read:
**3:34:45**
